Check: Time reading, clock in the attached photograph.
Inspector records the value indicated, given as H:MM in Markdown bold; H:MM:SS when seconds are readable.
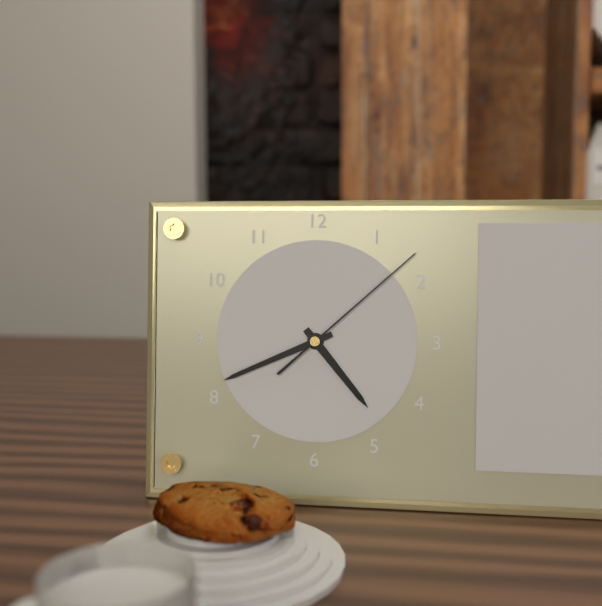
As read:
**4:41:08**
